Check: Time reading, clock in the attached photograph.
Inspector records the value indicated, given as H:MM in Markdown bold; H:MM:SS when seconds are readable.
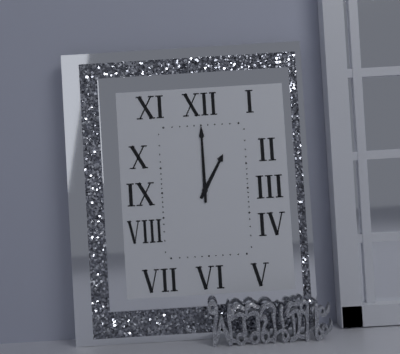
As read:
**1:00**
